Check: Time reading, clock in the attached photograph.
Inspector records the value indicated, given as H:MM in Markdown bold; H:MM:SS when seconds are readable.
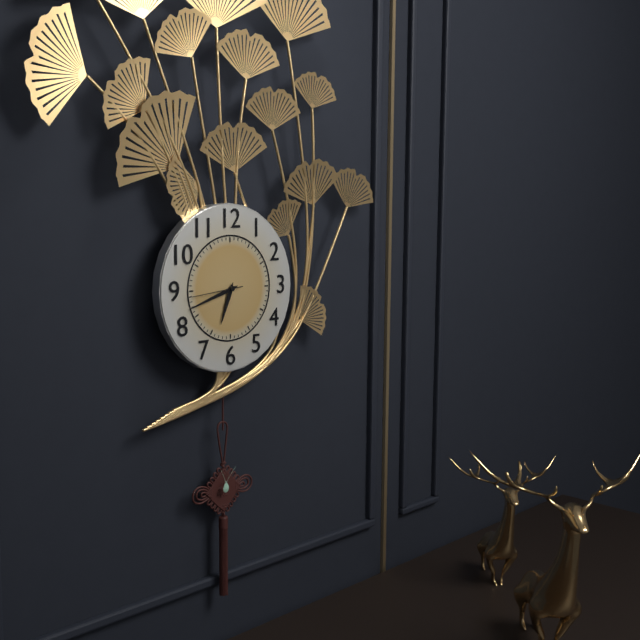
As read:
**6:42:44**
